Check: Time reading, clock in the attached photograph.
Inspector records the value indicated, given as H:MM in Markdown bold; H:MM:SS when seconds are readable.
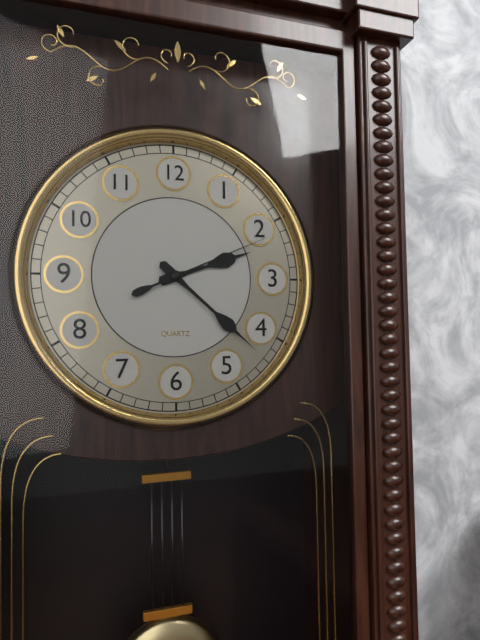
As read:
**2:22:11**
